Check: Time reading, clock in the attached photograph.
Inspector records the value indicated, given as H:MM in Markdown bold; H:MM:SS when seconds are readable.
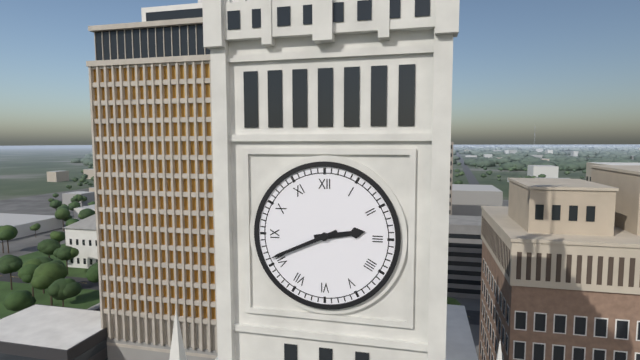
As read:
**2:41**
